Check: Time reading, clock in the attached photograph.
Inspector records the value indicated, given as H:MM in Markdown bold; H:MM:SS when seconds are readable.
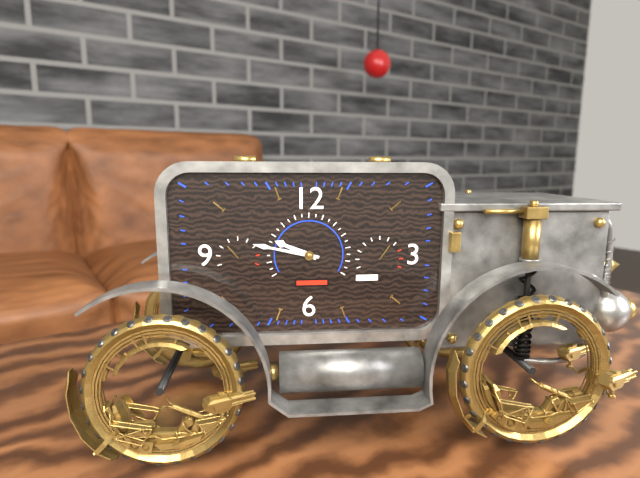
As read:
**9:47**
